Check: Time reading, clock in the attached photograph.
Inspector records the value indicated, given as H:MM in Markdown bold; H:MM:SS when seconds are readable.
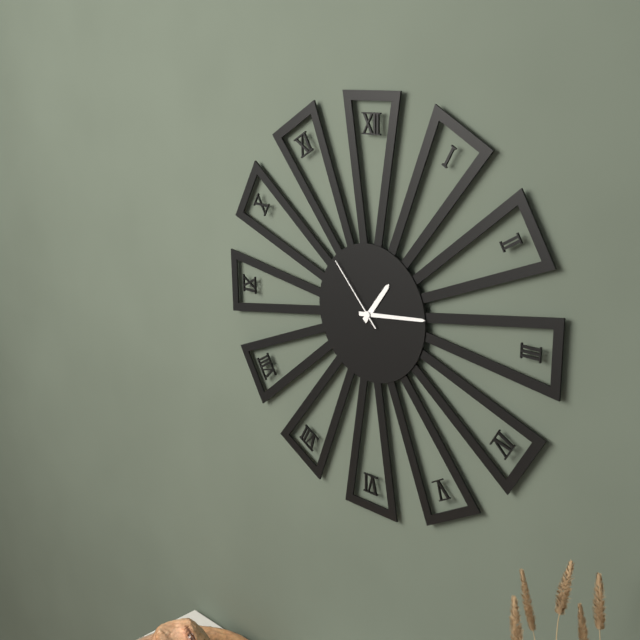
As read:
**1:14:53**
